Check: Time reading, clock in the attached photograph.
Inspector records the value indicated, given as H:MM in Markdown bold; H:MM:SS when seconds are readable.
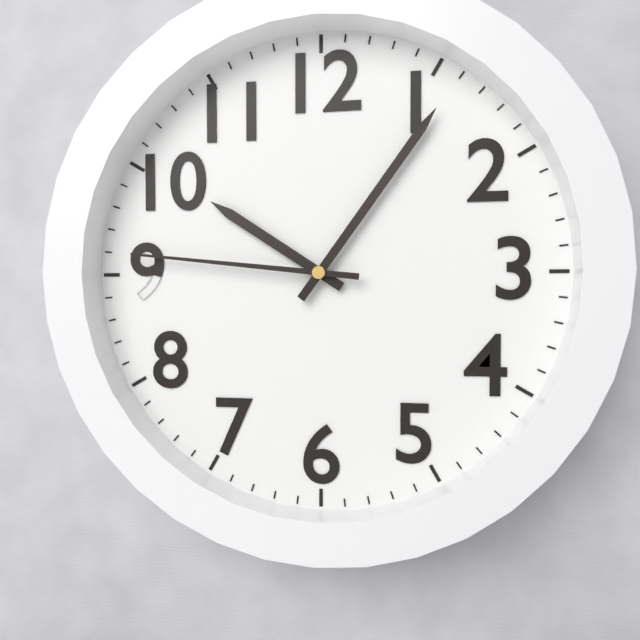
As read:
**10:06:46**
